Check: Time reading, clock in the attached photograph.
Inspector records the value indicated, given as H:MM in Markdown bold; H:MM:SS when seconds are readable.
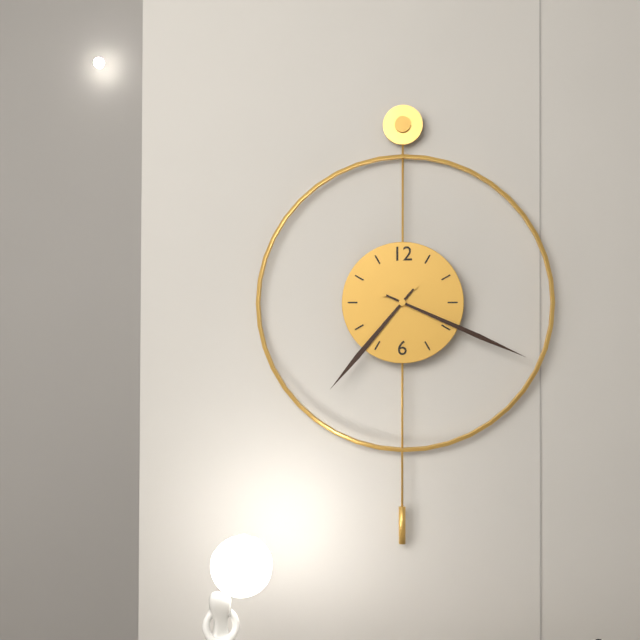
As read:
**7:19**
